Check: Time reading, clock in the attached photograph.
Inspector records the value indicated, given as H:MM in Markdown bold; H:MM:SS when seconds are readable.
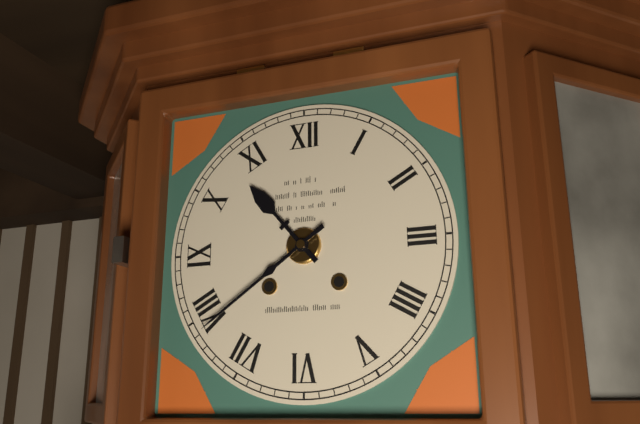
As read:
**10:39**
